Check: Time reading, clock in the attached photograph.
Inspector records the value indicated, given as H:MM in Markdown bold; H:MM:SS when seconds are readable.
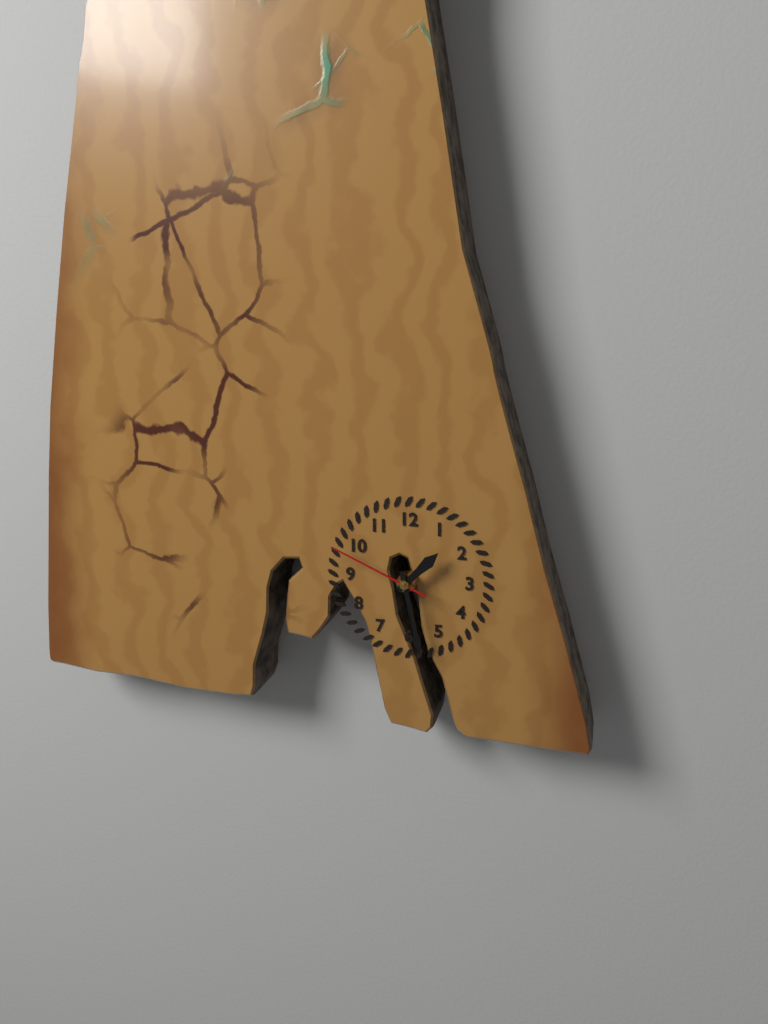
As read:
**1:28:49**
